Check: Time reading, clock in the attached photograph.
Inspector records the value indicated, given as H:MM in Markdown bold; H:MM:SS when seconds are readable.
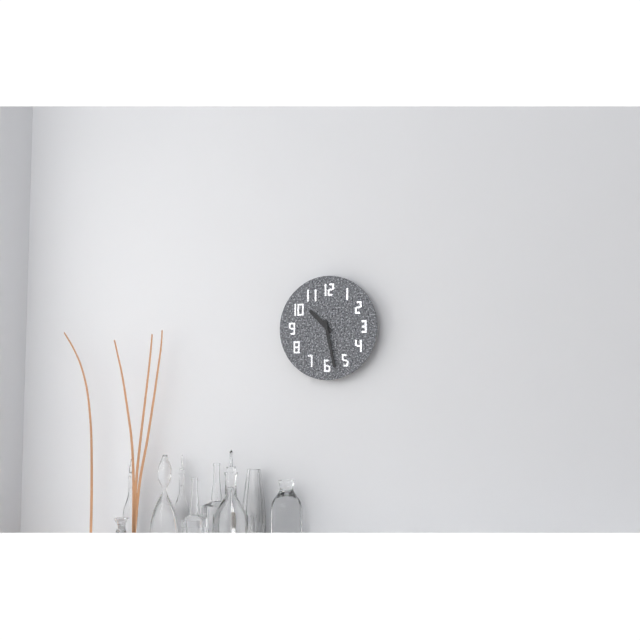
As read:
**10:28**
